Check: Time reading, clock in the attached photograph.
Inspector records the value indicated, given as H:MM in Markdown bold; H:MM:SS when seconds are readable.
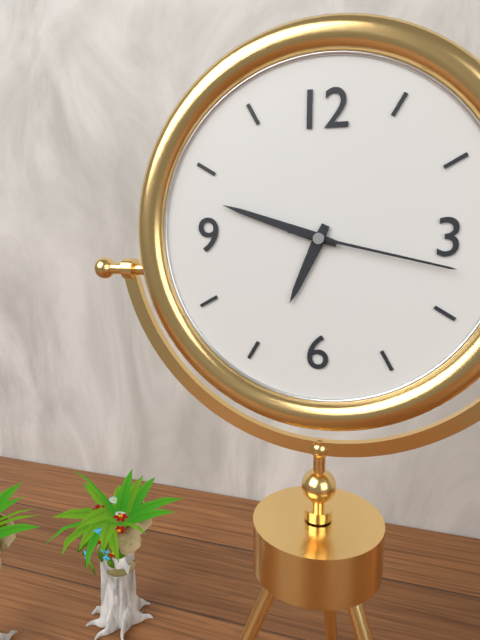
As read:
**6:48:17**
